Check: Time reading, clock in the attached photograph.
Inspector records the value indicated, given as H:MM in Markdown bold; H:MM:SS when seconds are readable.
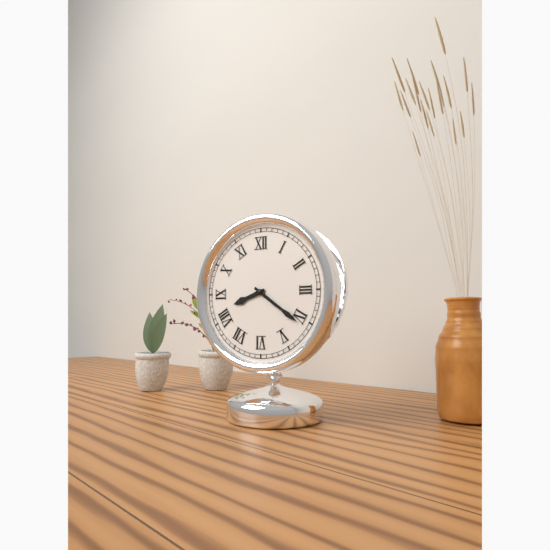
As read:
**8:21**
